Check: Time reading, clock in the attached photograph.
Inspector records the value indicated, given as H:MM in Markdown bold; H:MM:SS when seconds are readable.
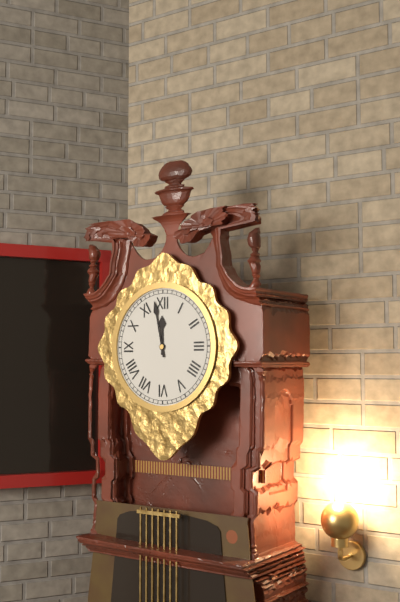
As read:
**11:58**
